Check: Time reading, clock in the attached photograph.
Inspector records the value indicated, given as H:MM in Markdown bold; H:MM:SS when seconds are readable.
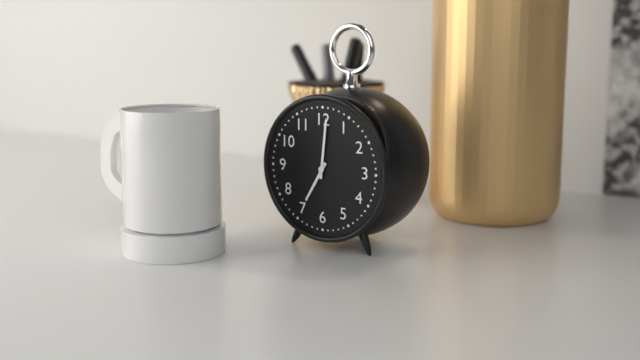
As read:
**7:01**
